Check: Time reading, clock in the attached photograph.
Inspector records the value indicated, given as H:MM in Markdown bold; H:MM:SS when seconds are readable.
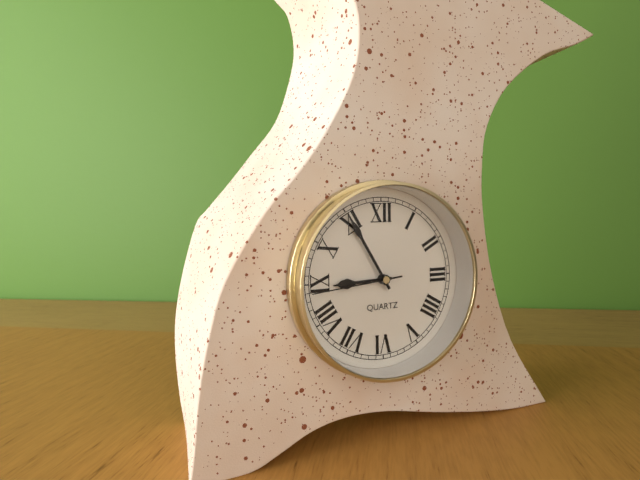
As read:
**8:55:44**
